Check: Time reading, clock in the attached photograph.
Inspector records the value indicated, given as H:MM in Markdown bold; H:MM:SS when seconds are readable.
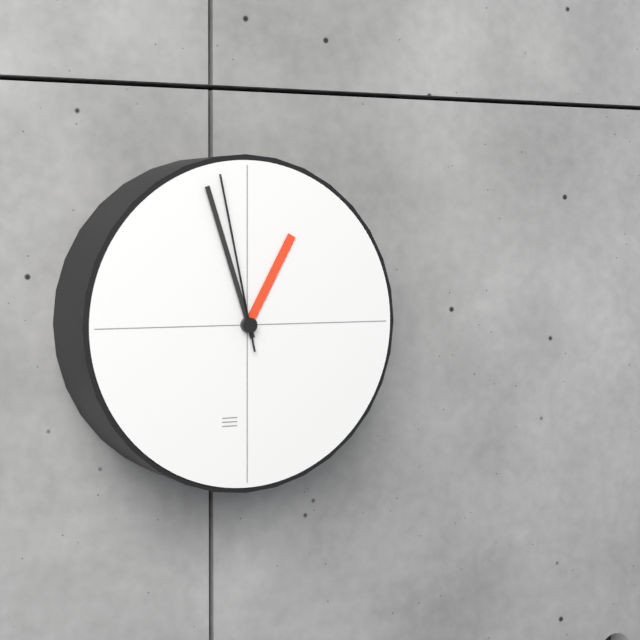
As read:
**12:57:58**
